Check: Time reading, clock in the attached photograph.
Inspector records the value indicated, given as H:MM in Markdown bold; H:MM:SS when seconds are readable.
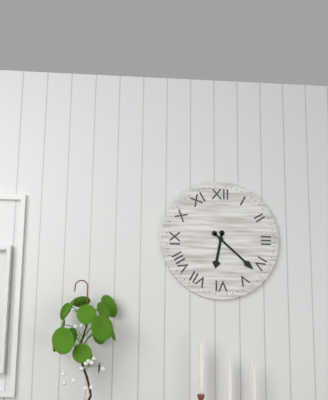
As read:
**6:22**
